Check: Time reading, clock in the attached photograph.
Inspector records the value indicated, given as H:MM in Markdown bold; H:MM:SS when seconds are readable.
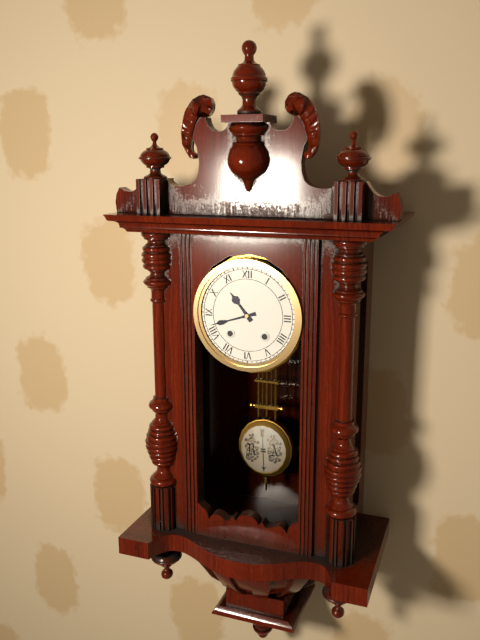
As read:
**10:42**
